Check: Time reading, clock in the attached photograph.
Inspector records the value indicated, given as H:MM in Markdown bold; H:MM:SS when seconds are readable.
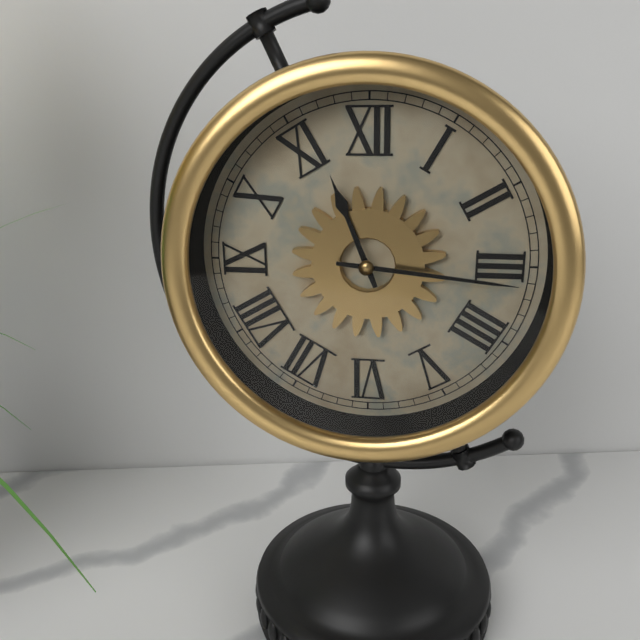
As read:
**11:16**
